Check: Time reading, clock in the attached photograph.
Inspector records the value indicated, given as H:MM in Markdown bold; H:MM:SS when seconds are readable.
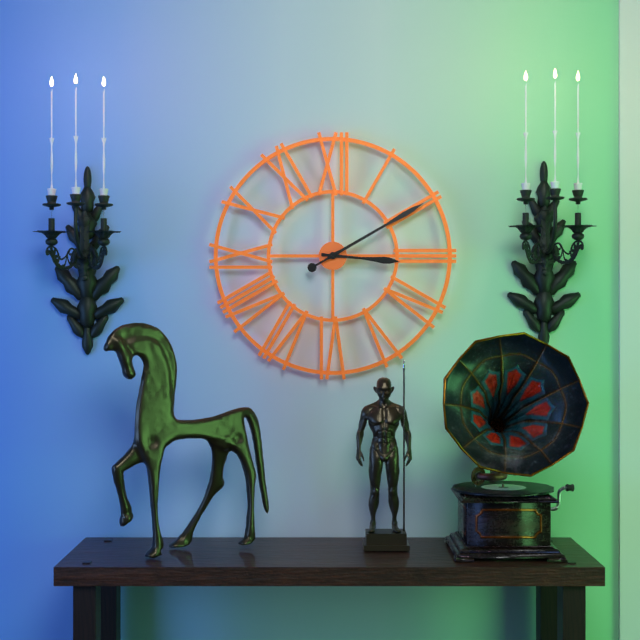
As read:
**3:10**
